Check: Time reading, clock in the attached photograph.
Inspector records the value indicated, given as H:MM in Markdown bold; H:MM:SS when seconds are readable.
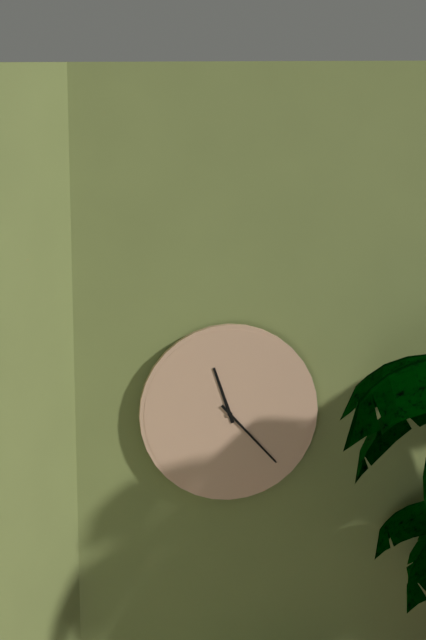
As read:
**11:23**
